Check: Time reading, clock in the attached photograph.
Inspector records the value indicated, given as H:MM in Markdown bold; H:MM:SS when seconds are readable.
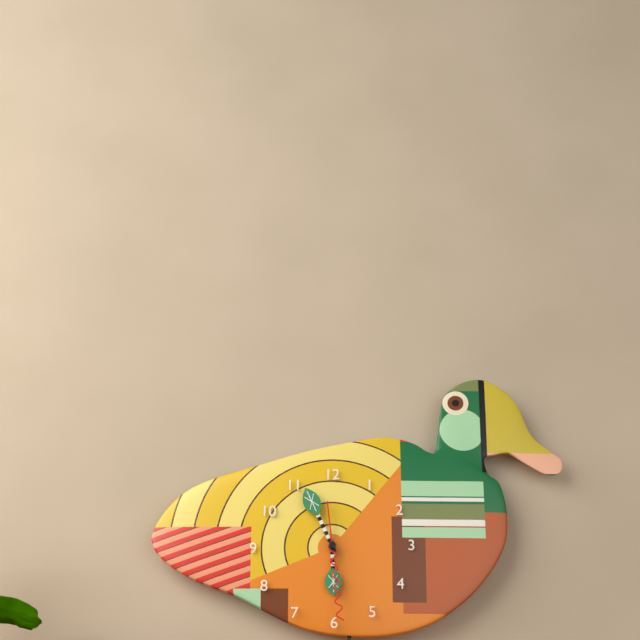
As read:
**5:56:29**
